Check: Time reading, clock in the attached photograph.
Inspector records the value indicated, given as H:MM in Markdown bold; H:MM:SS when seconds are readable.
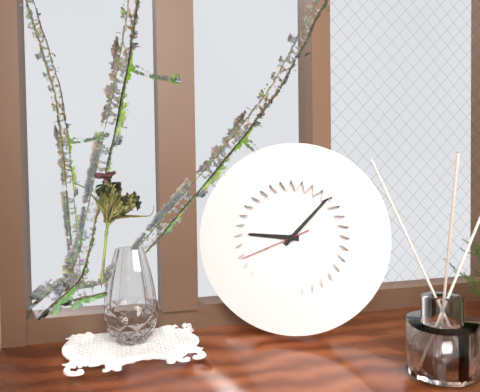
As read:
**9:07:41**
